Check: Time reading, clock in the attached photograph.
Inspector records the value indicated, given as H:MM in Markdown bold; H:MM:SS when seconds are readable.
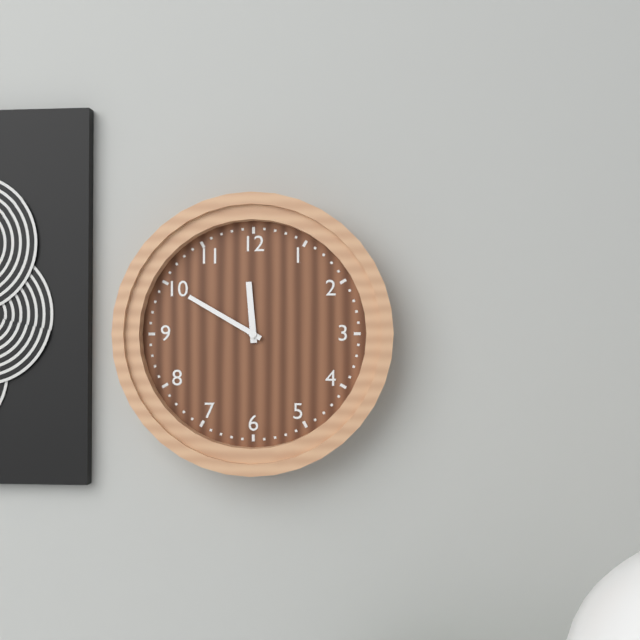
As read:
**11:50**
